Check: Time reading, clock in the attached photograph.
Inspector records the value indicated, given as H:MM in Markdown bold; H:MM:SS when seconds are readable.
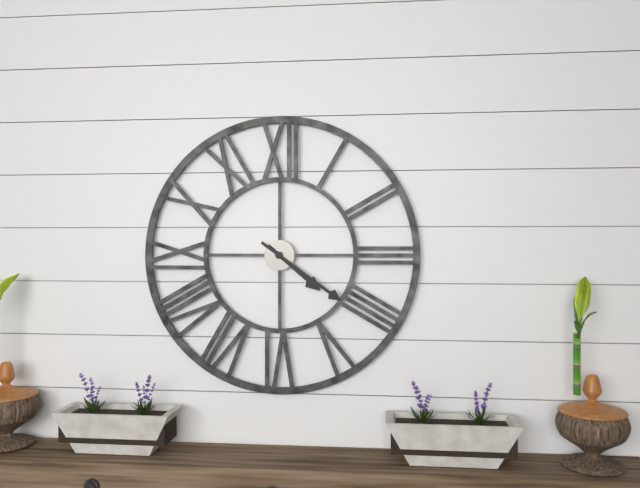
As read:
**4:21**
